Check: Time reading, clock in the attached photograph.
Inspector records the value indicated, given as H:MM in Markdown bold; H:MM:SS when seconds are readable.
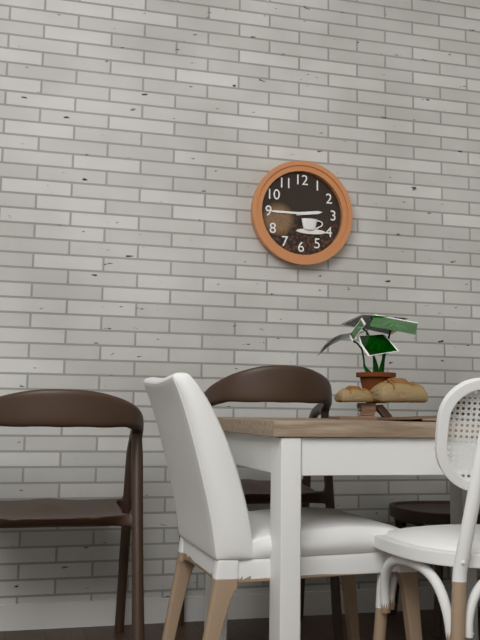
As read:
**2:45**
